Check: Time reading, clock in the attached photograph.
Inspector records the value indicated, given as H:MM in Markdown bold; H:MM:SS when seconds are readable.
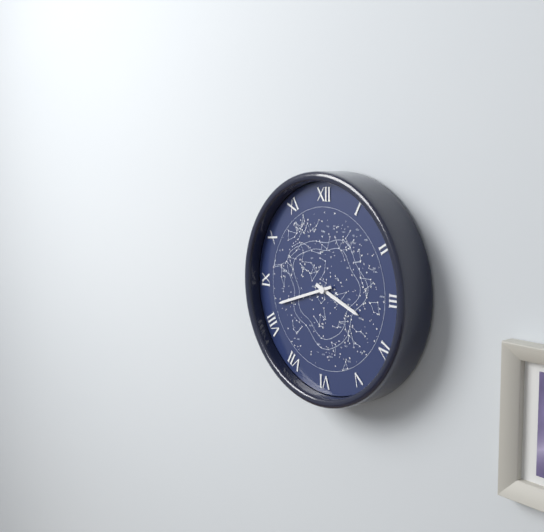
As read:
**3:42**
